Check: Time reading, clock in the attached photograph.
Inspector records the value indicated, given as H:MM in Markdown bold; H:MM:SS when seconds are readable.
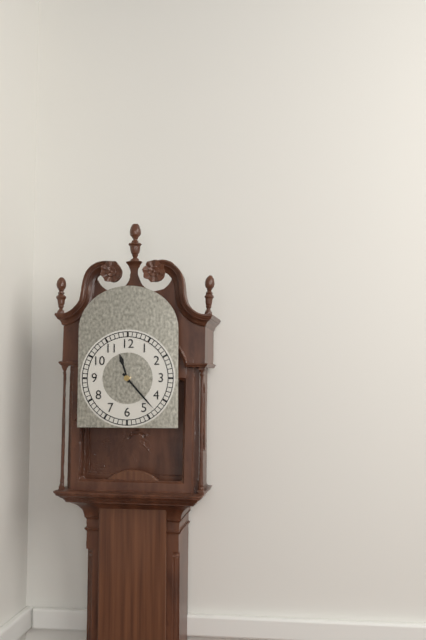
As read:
**11:23**
